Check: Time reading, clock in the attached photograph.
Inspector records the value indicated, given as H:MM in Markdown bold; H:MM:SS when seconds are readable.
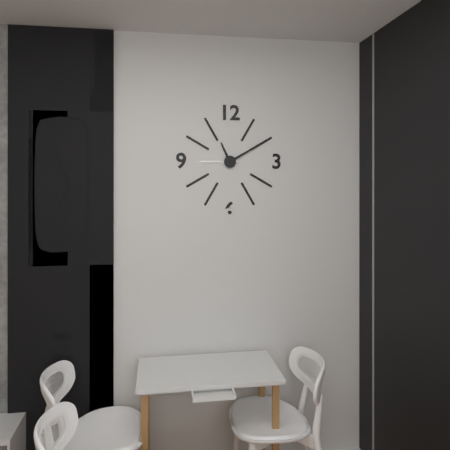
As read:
**11:10**
